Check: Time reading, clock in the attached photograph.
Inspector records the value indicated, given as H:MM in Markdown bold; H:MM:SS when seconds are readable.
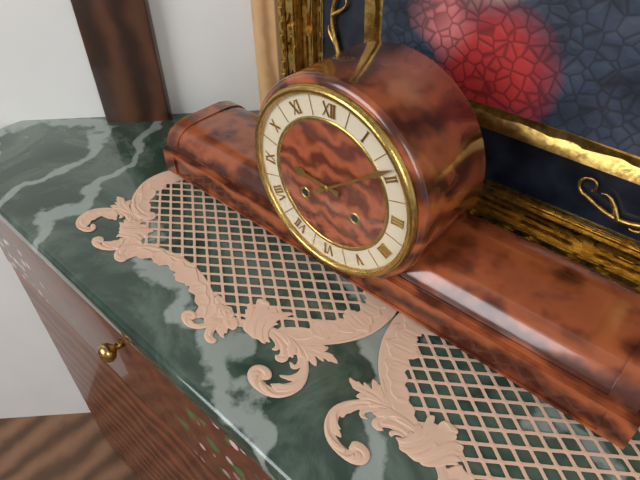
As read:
**9:09**
